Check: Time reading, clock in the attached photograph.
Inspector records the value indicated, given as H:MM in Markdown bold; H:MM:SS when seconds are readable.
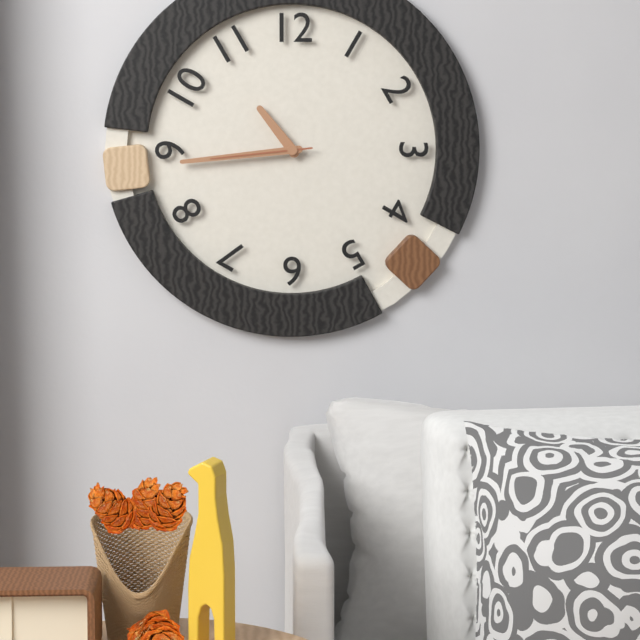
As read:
**10:44:44**
